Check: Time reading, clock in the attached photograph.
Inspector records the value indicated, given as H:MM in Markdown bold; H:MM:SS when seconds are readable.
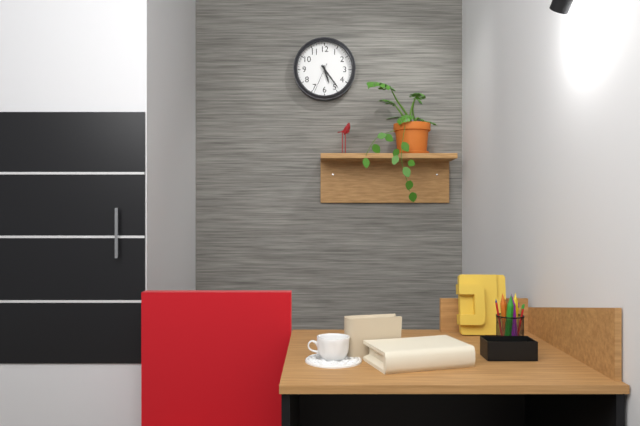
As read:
**5:24**
